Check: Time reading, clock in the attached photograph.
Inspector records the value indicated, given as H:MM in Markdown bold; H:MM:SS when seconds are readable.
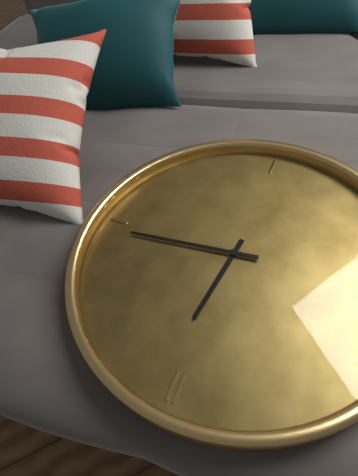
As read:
**12:14**
